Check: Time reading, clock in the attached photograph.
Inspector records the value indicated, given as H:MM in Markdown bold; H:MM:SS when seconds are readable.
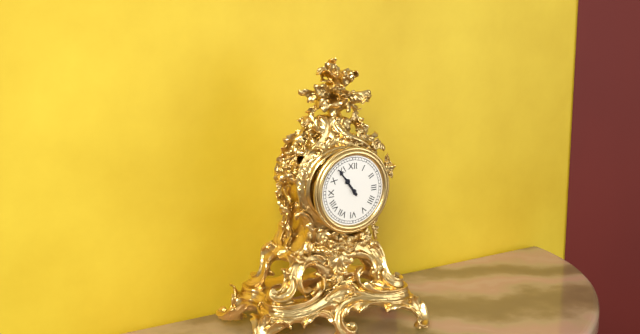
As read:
**10:54**
